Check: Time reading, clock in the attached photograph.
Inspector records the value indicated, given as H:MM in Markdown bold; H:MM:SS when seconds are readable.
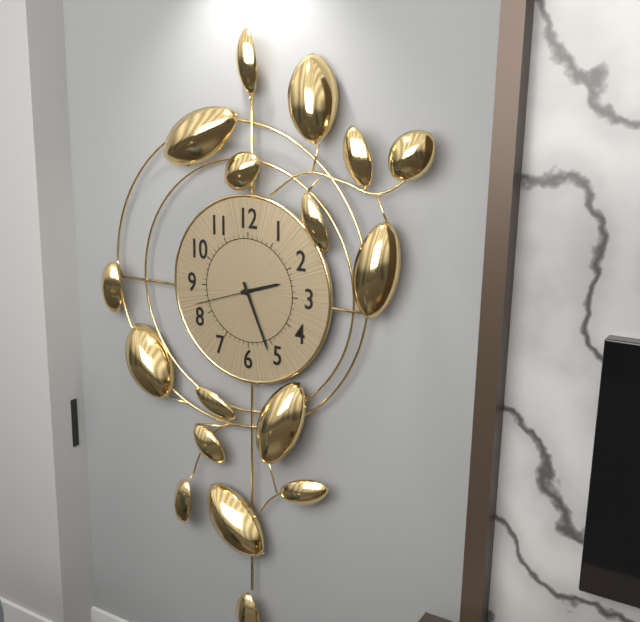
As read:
**2:26:42**
